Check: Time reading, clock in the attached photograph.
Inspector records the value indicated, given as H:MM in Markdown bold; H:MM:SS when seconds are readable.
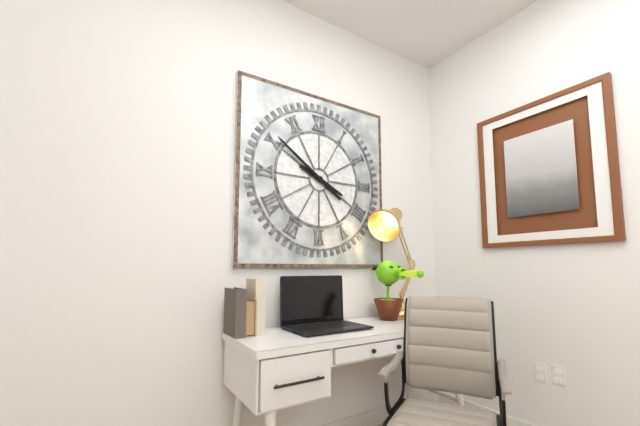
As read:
**3:51**
